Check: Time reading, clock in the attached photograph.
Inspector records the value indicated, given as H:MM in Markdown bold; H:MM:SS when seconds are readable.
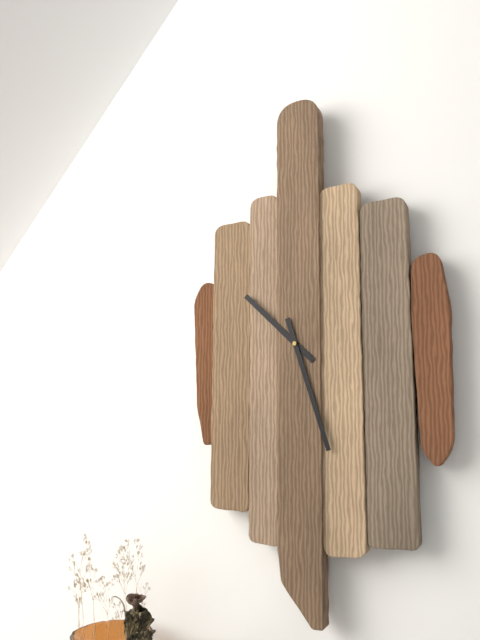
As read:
**10:27**
